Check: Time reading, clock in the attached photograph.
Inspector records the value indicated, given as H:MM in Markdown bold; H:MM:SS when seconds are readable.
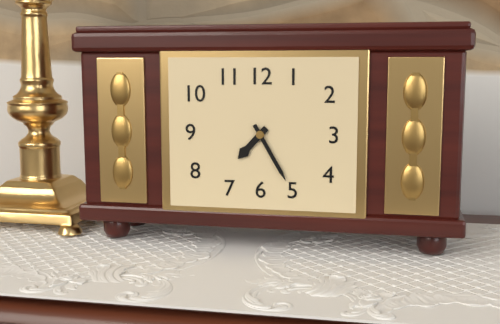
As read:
**7:25**
